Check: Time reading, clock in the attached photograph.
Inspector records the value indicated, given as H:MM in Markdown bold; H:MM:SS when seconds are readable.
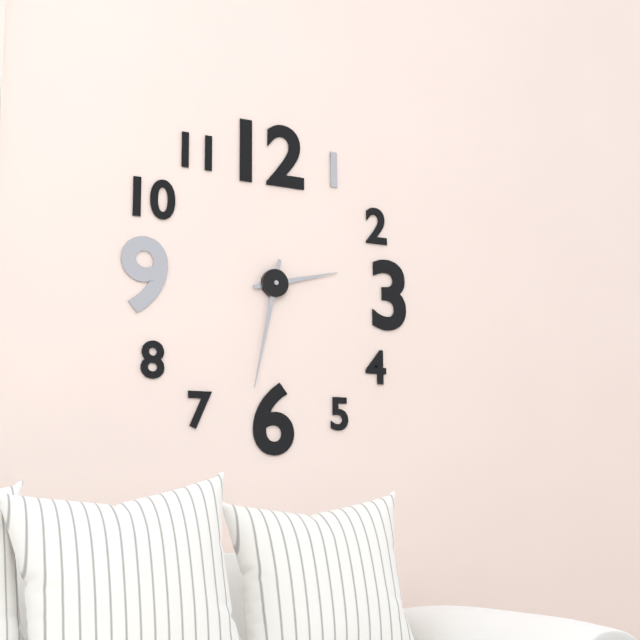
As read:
**2:32**
